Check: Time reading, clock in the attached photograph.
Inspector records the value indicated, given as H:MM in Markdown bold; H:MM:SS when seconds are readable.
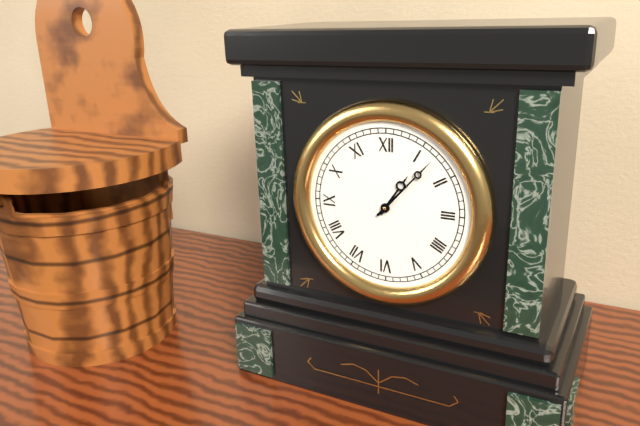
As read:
**1:07**
